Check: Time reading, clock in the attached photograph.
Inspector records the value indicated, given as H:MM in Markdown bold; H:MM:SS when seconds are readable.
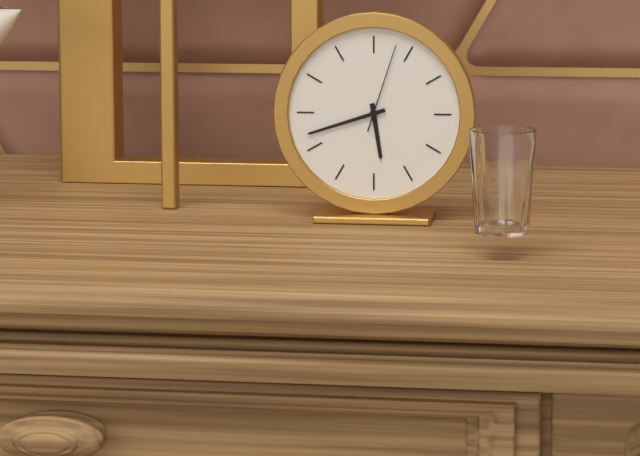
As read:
**5:42:03**
